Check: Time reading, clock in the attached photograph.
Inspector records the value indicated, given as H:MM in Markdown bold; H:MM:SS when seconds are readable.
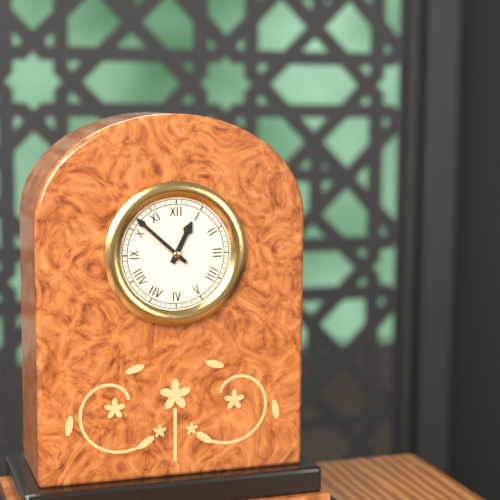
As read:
**12:52**
